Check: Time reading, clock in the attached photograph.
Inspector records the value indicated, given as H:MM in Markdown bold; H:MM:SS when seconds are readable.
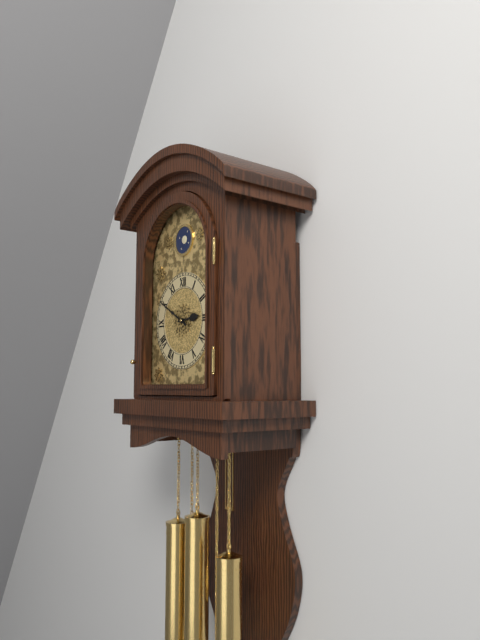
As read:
**2:50**
